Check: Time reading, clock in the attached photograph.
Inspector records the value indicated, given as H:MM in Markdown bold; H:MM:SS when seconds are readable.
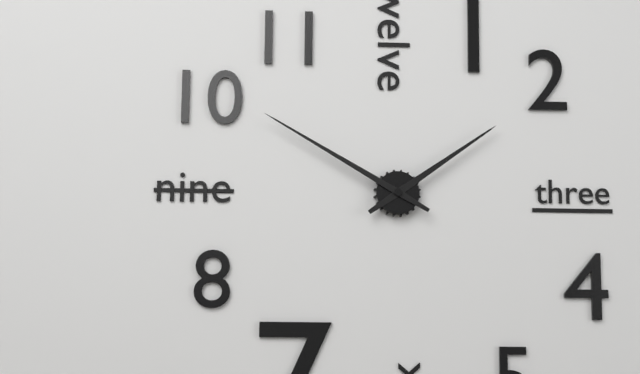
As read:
**1:50**
